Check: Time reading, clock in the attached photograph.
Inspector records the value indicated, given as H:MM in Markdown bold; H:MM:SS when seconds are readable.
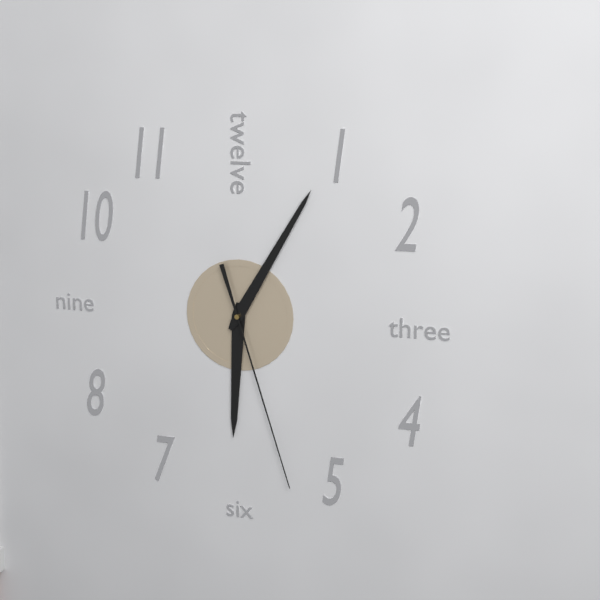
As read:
**6:05:27**
